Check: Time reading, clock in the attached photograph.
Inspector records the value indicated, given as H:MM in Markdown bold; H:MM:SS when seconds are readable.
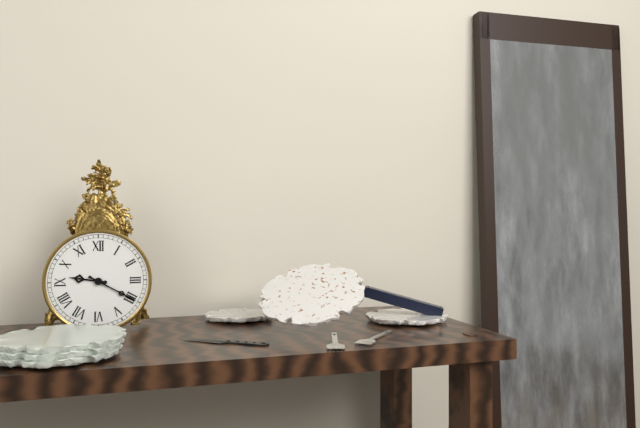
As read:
**9:20**
